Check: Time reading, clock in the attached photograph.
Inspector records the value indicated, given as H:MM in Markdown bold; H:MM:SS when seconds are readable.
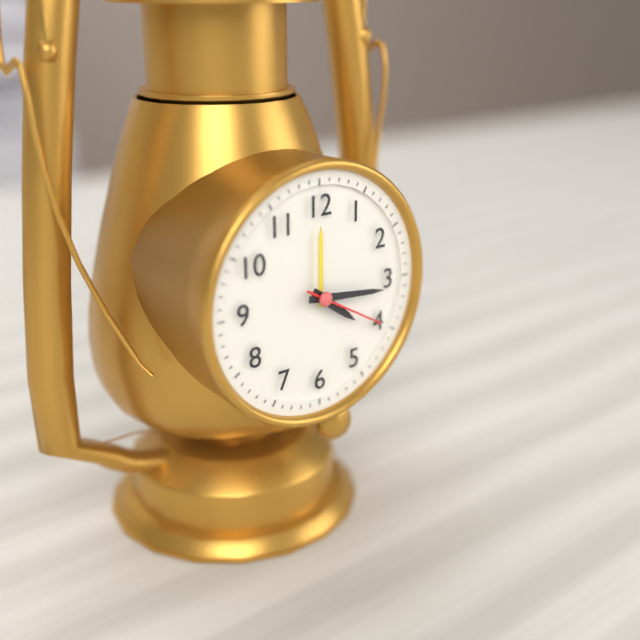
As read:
**4:16:20**
